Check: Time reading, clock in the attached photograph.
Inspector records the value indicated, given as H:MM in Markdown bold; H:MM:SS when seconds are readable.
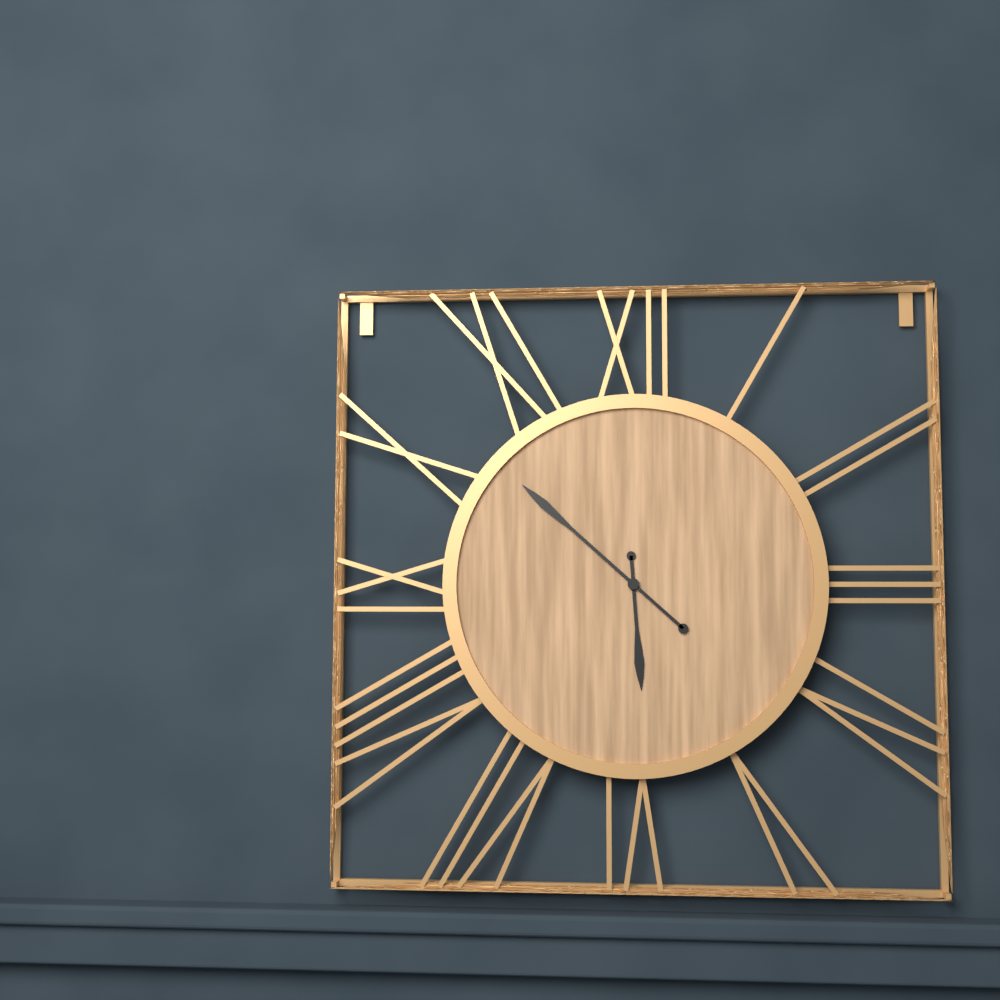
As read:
**5:52**
